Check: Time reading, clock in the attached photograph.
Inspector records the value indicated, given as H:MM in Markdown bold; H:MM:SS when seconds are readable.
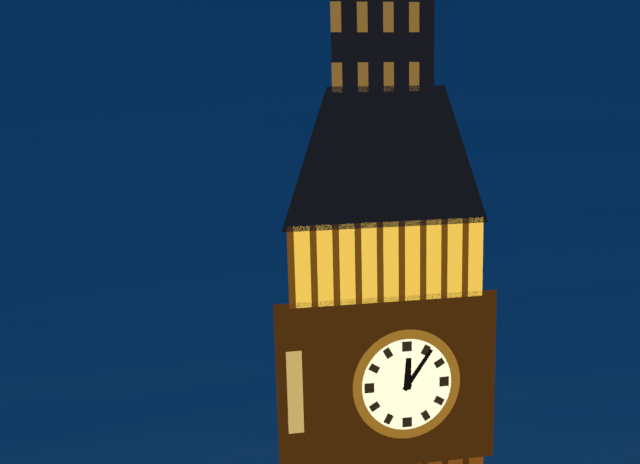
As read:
**12:06**
